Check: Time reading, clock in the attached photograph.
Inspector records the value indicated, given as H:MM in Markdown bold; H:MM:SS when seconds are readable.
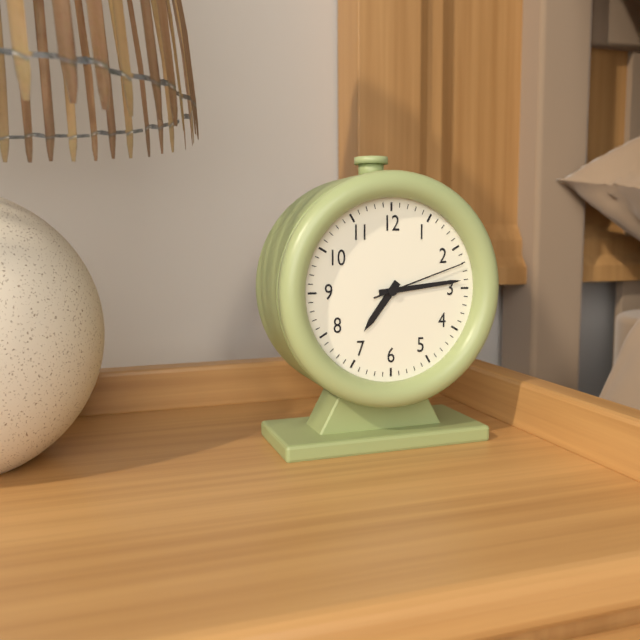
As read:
**7:14:12**
